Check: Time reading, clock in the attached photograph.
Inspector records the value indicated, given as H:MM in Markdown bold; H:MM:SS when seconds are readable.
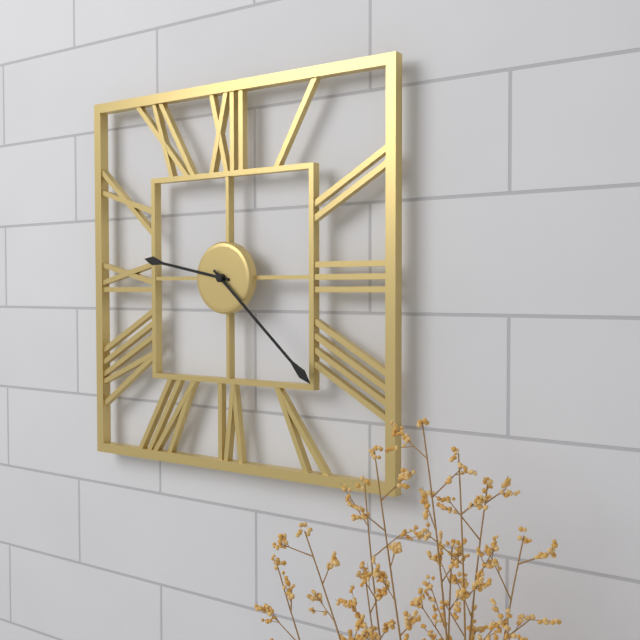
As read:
**9:22**
